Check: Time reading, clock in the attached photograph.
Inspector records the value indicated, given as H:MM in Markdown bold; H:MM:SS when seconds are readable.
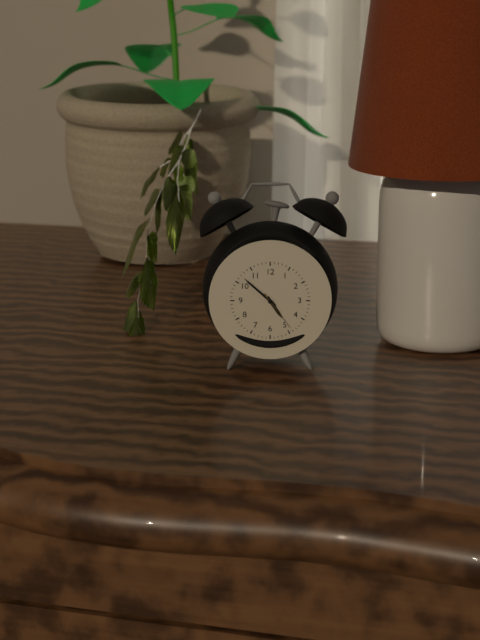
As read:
**4:52**
